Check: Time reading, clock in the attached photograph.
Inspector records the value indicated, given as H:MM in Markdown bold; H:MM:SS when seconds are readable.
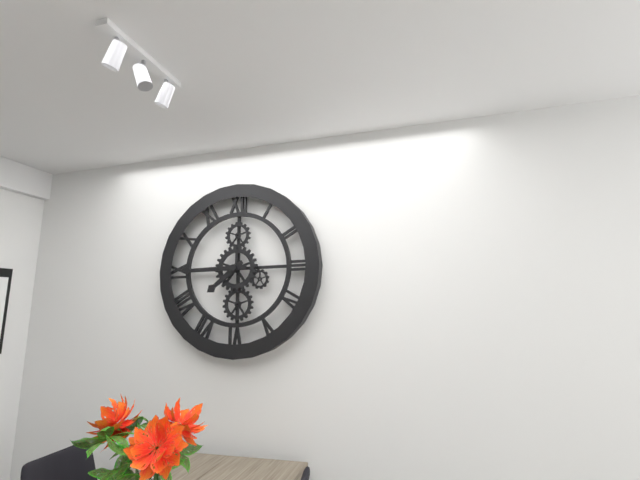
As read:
**7:45**
